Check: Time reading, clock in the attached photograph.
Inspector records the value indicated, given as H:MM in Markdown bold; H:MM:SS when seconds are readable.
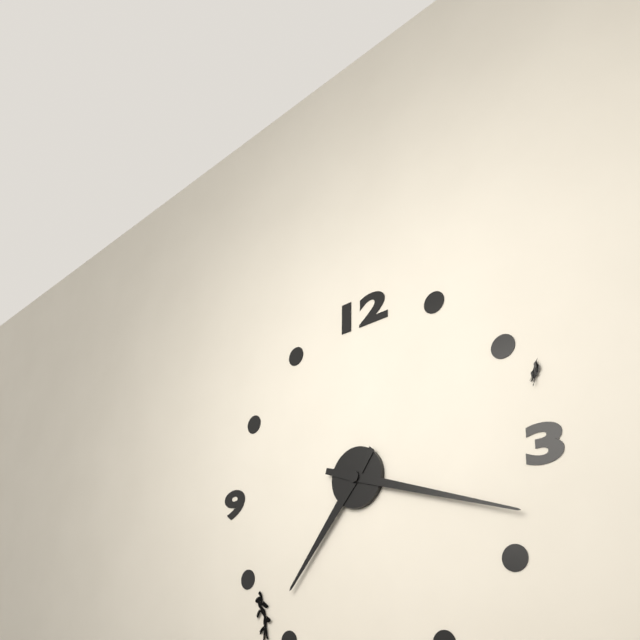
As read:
**7:18**
